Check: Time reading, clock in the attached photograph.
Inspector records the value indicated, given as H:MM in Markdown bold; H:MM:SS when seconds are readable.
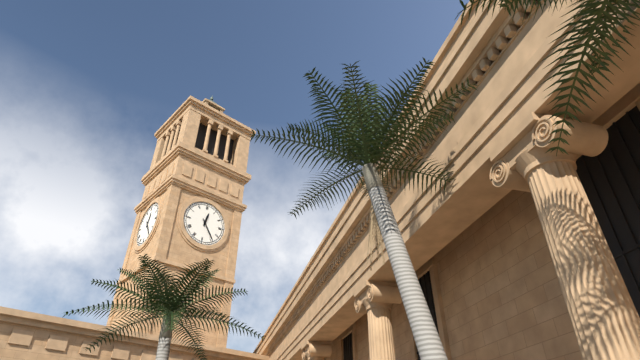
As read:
**12:24**
